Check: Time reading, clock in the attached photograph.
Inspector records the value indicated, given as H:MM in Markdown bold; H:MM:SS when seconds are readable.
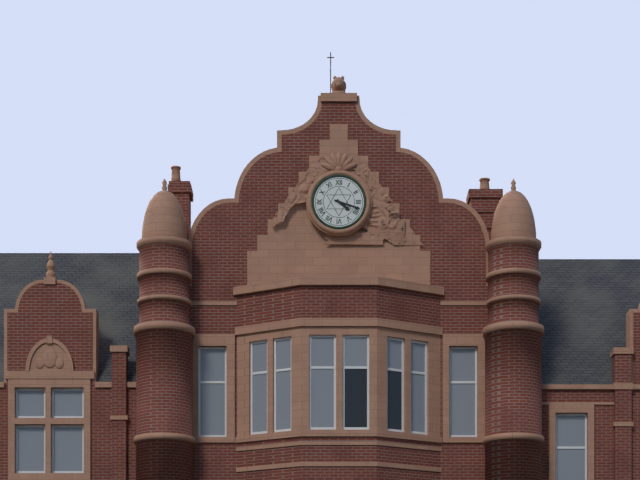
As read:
**4:18**
